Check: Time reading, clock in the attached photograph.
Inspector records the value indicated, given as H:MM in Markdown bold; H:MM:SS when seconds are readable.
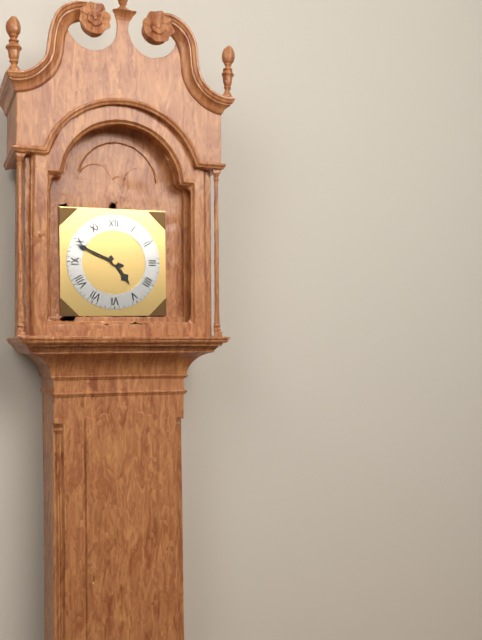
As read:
**4:49**
